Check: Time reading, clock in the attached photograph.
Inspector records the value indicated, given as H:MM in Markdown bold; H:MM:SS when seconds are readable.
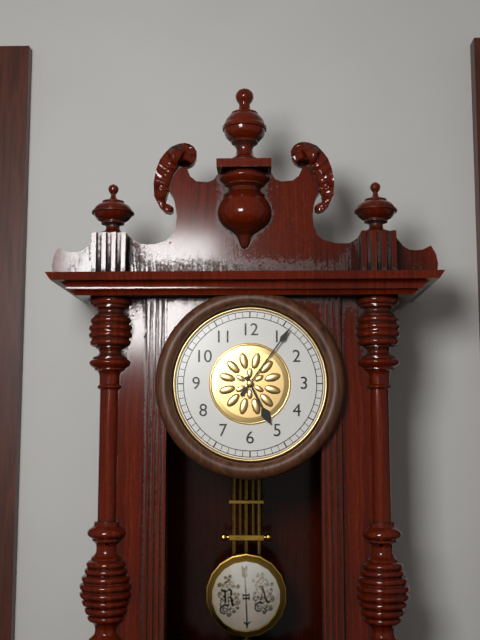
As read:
**5:06**
